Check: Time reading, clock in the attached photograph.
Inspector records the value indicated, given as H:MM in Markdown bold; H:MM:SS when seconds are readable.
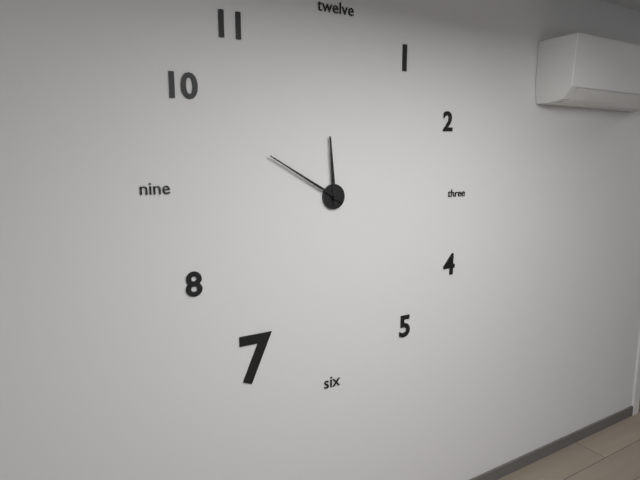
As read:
**11:50**
